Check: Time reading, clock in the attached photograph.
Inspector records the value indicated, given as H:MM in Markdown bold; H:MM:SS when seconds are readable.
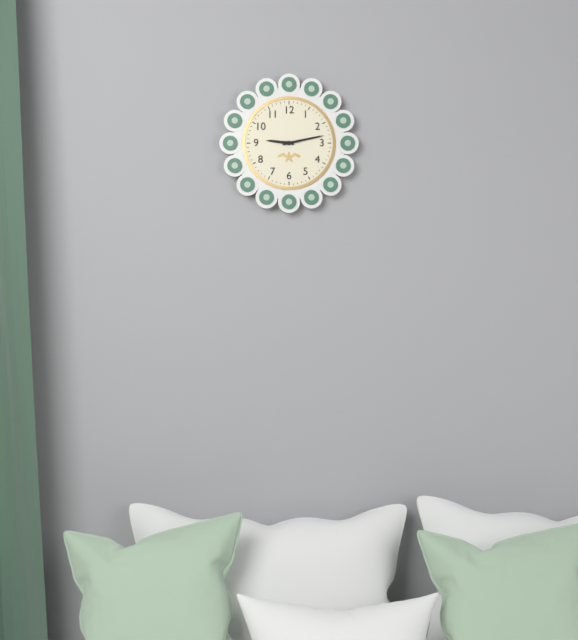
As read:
**9:13**
